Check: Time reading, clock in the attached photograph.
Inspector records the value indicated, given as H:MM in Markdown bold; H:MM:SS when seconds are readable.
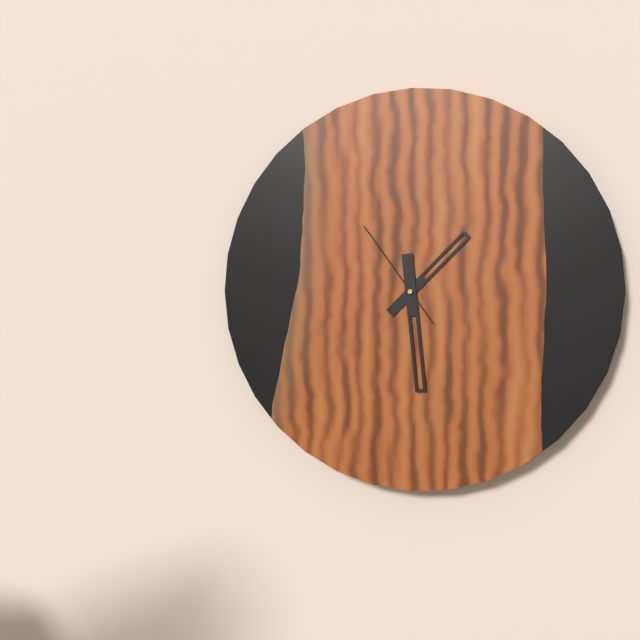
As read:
**1:29:54**
